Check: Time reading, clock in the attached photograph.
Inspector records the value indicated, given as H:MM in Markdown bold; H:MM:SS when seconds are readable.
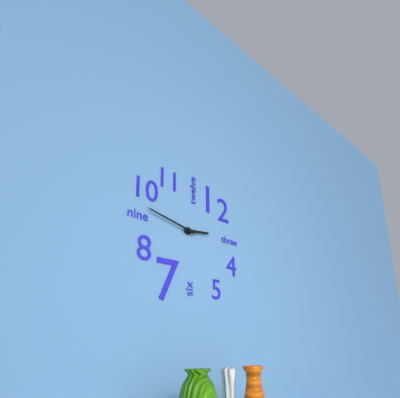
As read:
**2:47**
